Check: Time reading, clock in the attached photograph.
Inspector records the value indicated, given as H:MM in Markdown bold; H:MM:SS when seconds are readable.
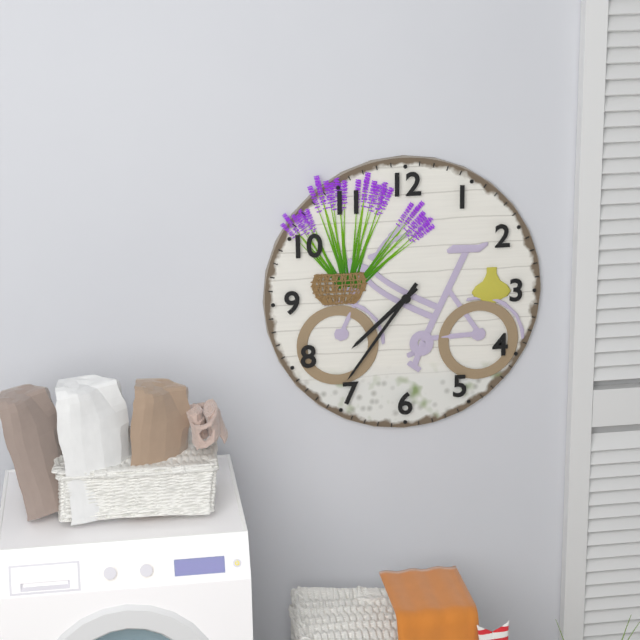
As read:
**7:36**
